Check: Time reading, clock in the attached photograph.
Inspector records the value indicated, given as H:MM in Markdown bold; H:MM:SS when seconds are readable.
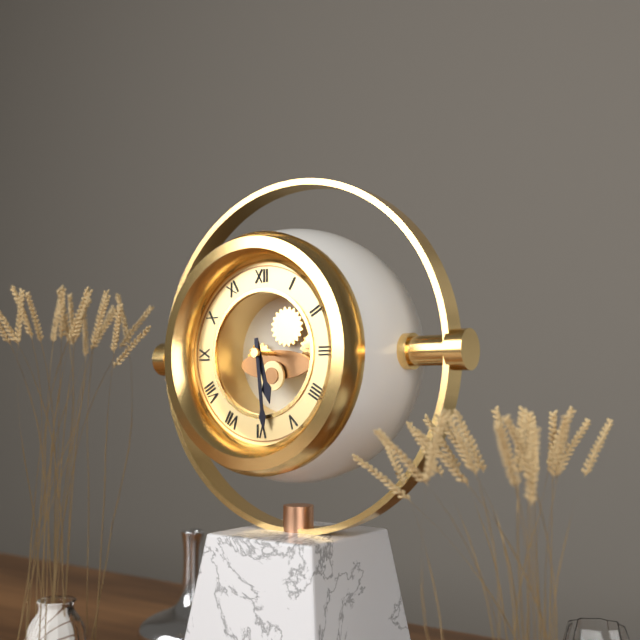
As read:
**5:29**
